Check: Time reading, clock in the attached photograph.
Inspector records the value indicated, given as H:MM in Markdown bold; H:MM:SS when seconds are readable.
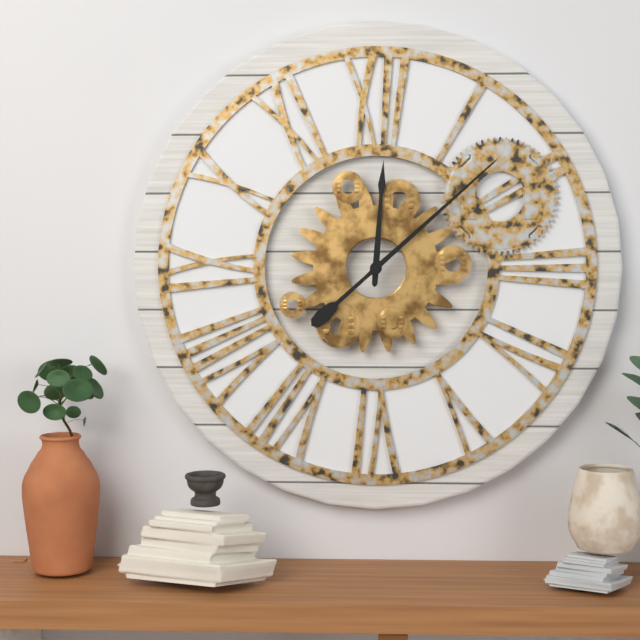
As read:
**12:08**
